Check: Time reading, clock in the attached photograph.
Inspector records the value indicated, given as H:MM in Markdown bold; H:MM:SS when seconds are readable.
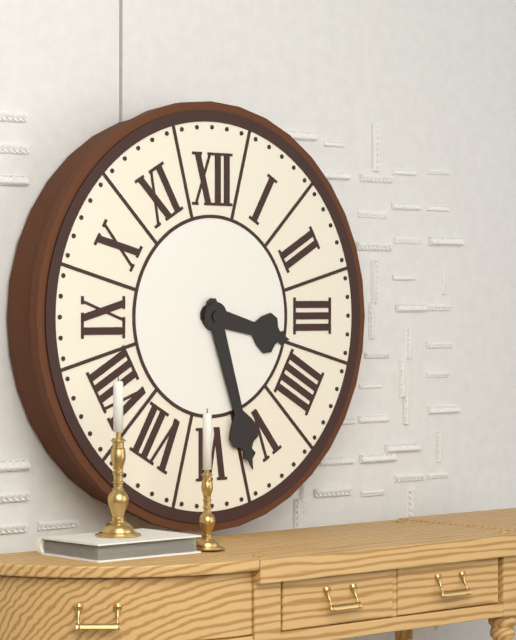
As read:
**3:27**
